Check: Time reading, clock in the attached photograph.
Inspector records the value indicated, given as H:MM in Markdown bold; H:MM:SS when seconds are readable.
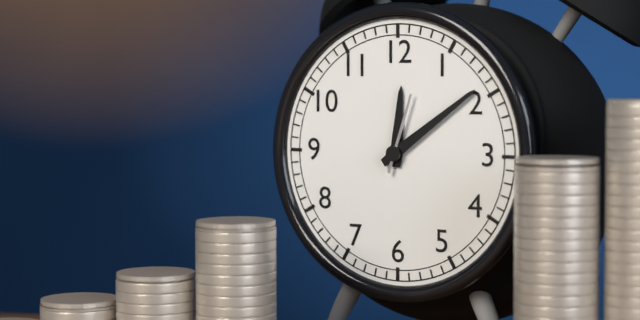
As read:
**12:09:03**
